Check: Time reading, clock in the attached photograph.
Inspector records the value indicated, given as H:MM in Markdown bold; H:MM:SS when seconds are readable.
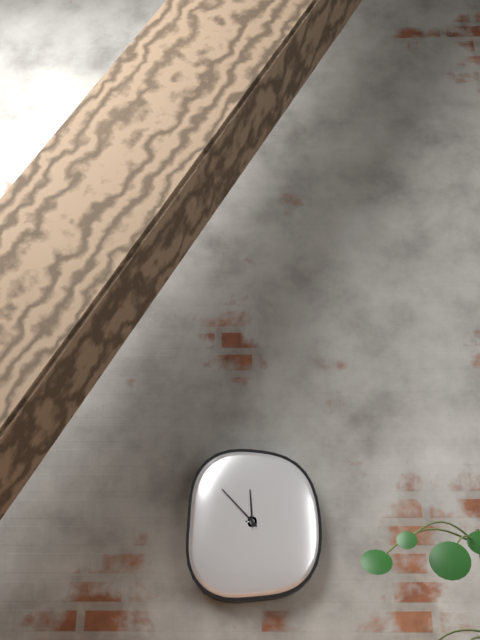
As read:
**11:53**
